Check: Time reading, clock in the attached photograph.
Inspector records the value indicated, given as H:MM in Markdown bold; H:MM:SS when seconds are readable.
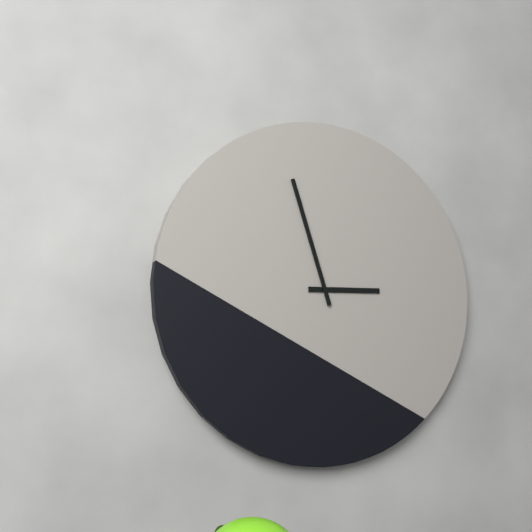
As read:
**2:57**
